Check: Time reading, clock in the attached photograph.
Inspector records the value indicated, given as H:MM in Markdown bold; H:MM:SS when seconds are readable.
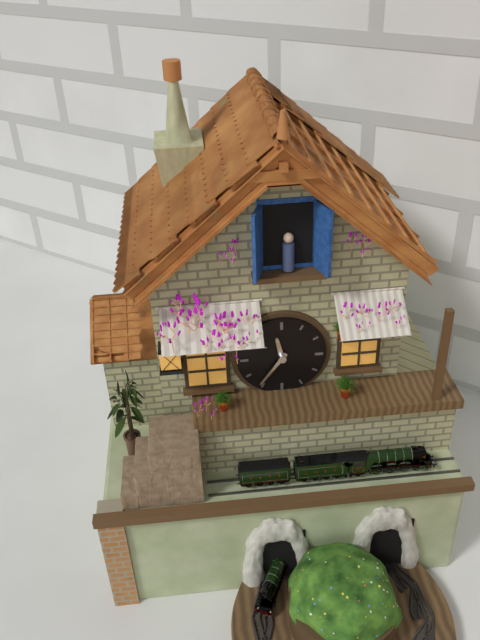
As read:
**11:36**
